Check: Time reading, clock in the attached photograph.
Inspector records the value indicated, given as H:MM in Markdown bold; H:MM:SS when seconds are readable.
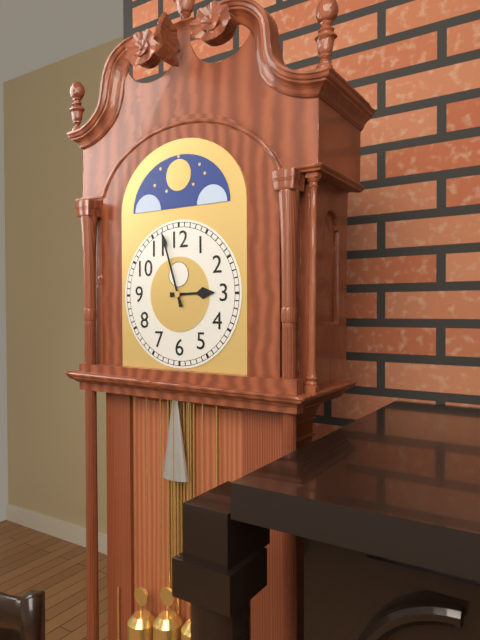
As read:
**2:57**
